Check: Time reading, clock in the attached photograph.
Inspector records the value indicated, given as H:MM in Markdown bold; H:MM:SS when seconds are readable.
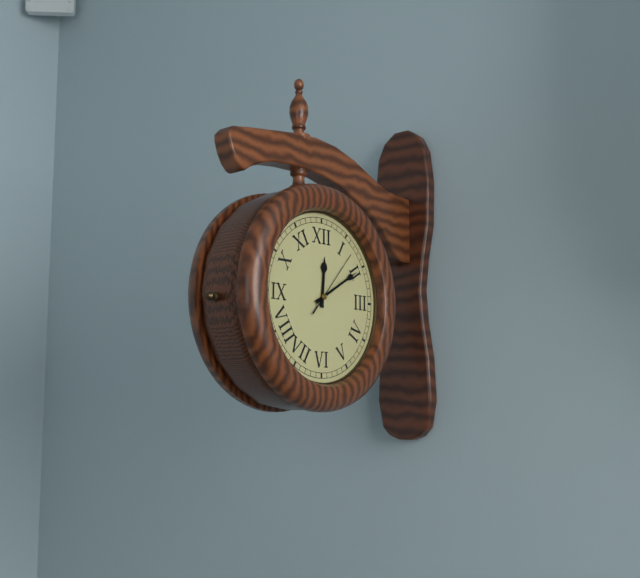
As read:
**12:10:07**
